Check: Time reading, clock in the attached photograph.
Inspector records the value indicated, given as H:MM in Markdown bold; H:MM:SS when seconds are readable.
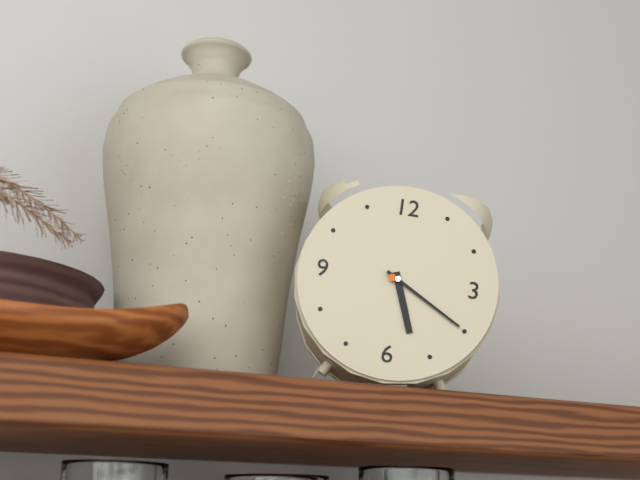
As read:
**5:20**
